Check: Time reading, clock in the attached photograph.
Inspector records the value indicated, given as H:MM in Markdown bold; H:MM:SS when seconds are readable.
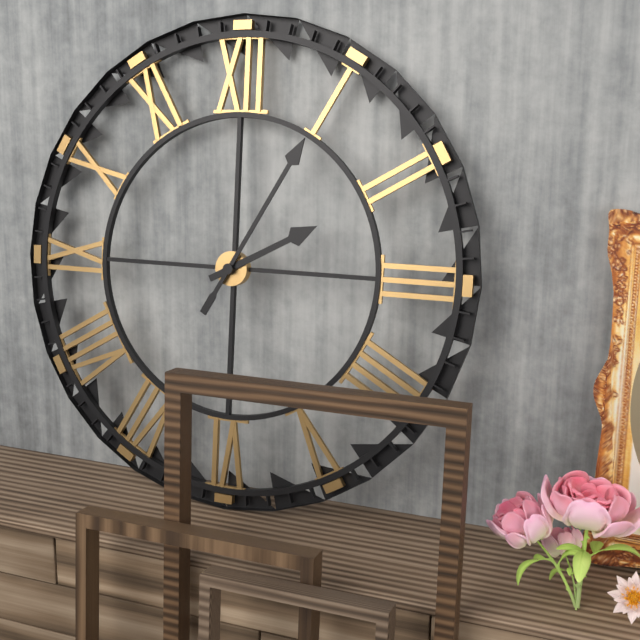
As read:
**2:05**
